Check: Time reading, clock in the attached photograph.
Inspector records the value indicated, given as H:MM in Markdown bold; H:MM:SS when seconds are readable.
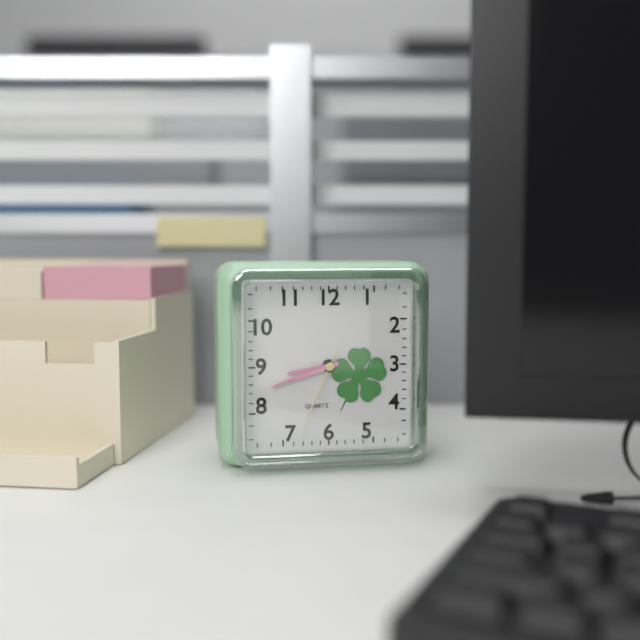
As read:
**8:42:34**
